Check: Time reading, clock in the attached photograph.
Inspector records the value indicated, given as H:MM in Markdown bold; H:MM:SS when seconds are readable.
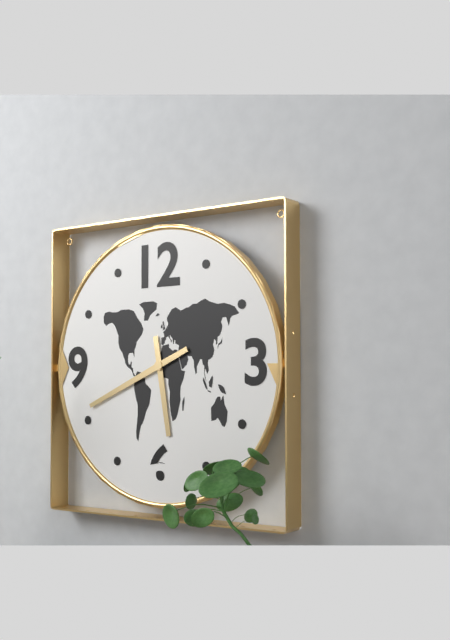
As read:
**5:41**
